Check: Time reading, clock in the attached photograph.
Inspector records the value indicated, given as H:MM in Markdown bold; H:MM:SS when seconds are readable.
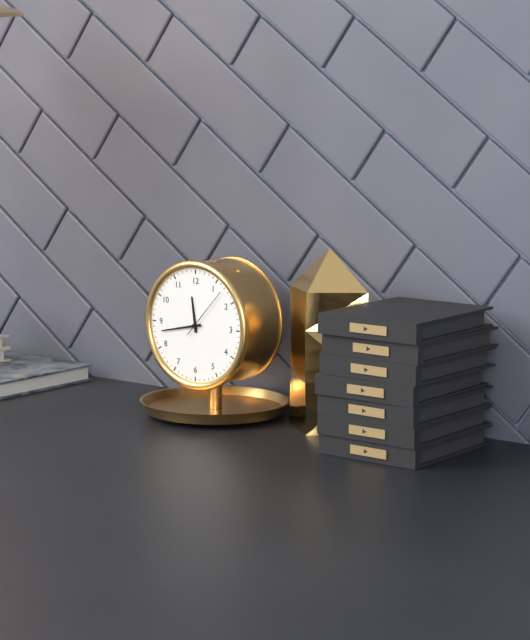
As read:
**11:43:07**
